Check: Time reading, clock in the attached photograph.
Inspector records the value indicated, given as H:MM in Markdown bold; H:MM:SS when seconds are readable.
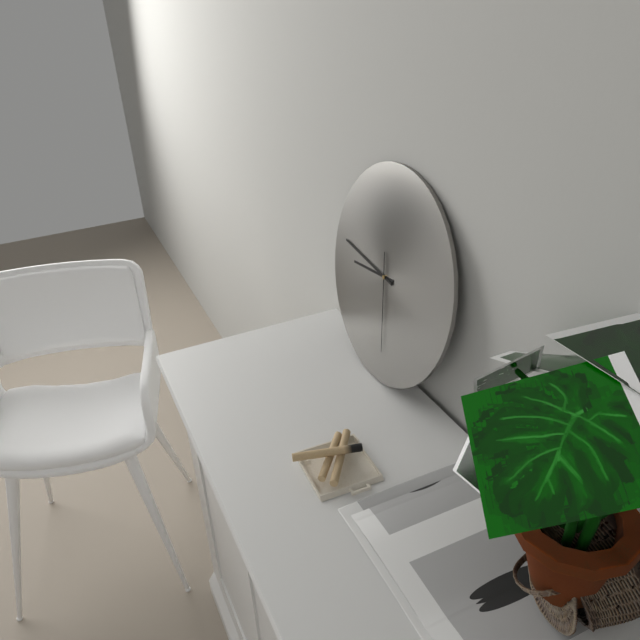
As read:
**8:46:28**
